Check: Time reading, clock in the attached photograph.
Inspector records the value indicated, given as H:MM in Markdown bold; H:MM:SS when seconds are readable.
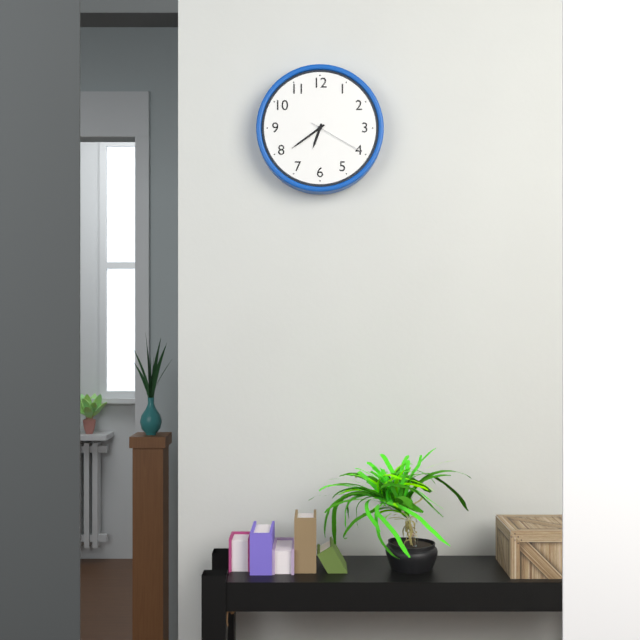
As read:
**6:39:20**
